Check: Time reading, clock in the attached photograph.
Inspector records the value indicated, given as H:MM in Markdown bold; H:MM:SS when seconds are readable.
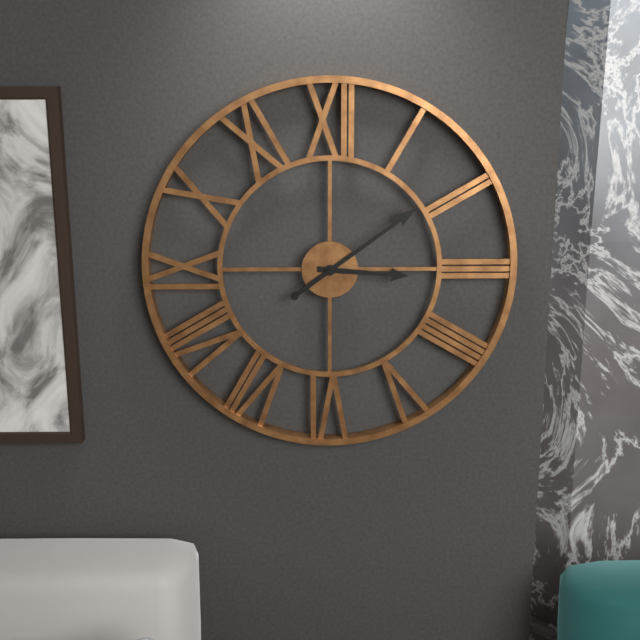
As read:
**3:09**
